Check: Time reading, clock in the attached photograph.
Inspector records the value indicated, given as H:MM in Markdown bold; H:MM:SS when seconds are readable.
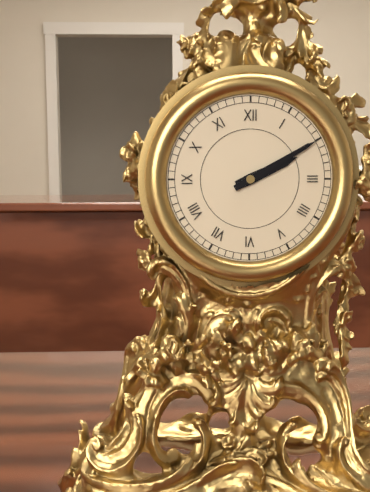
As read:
**2:10**
